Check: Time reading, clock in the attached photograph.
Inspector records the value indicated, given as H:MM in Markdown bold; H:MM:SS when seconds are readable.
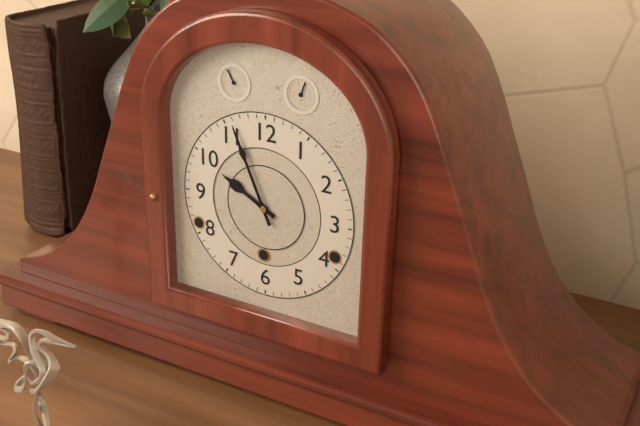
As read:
**9:56**
